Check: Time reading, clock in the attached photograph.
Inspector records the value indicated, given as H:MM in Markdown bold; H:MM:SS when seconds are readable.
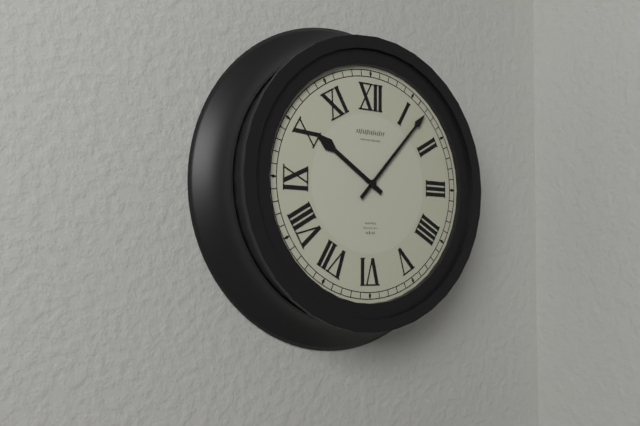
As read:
**10:07**
